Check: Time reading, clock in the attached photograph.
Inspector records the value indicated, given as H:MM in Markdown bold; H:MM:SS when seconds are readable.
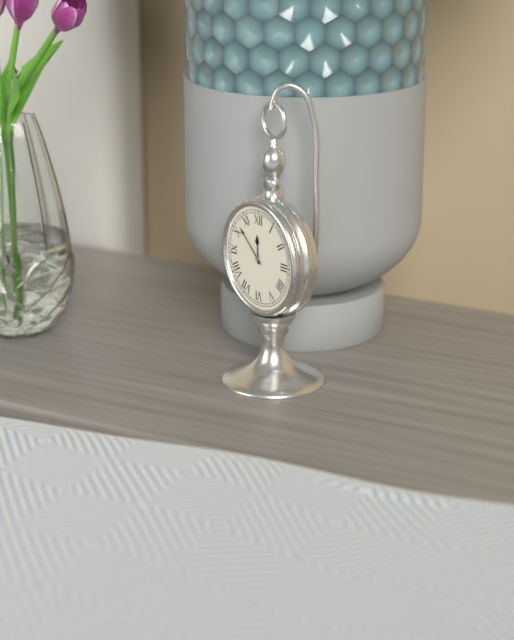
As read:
**11:52**
